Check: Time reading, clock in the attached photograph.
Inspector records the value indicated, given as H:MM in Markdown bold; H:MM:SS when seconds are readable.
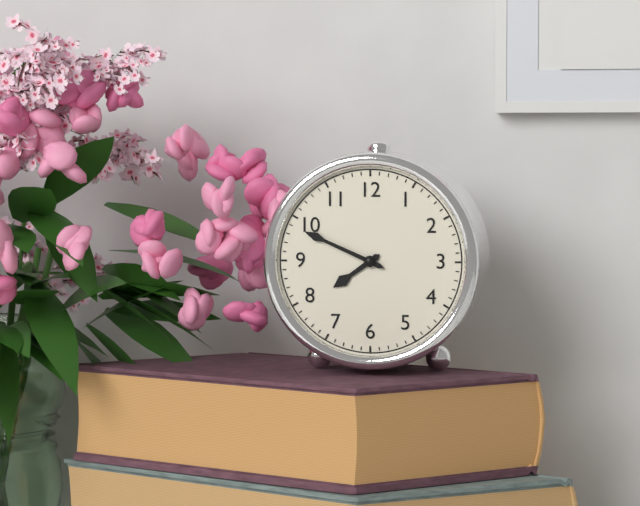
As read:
**7:49**
